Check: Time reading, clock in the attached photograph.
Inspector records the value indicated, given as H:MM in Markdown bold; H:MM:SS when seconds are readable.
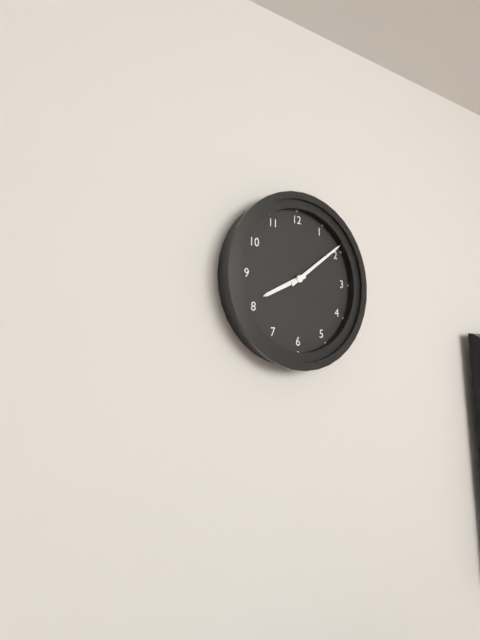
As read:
**8:09**
